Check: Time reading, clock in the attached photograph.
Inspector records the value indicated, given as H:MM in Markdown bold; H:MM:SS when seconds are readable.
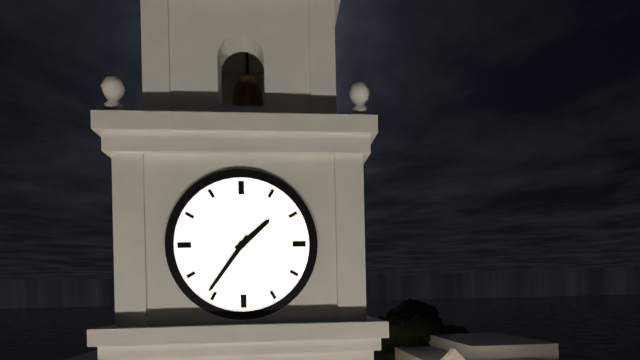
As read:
**1:36**
